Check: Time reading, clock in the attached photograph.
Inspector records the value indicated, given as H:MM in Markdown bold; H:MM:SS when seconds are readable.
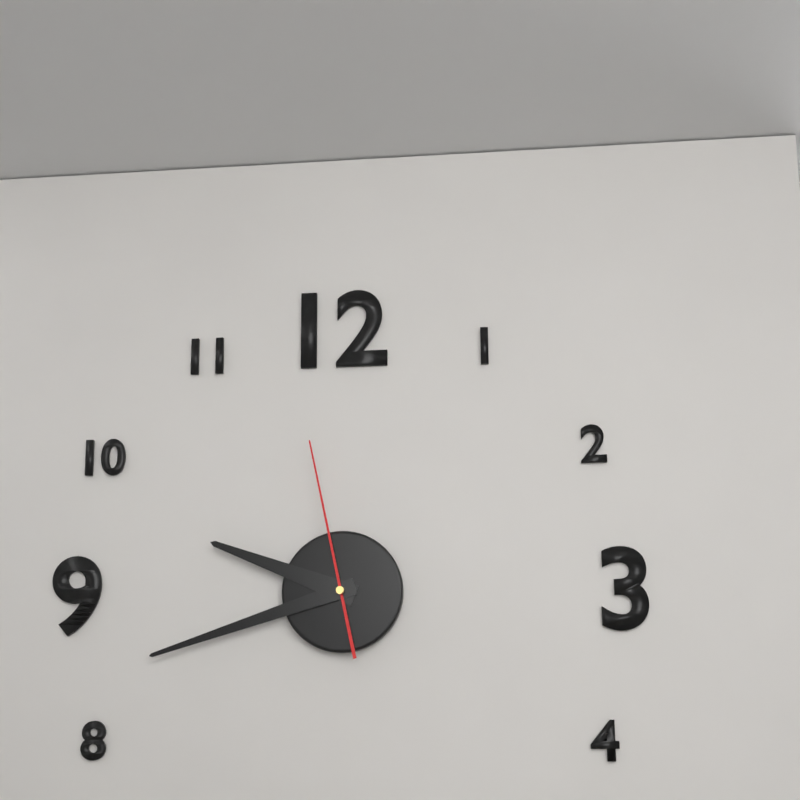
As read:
**9:42:58**
